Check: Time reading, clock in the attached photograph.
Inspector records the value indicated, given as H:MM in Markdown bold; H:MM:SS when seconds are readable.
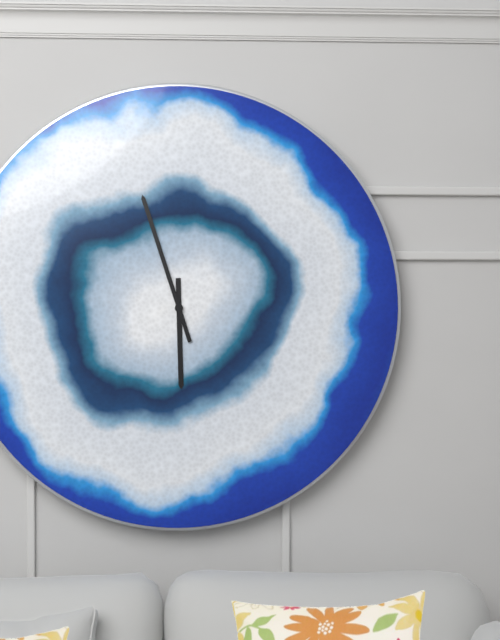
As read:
**5:57**
